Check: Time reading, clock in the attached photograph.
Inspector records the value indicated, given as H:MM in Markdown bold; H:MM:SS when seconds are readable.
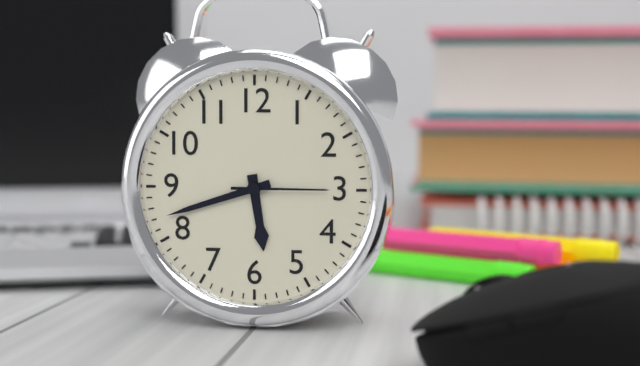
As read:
**5:42:15**
